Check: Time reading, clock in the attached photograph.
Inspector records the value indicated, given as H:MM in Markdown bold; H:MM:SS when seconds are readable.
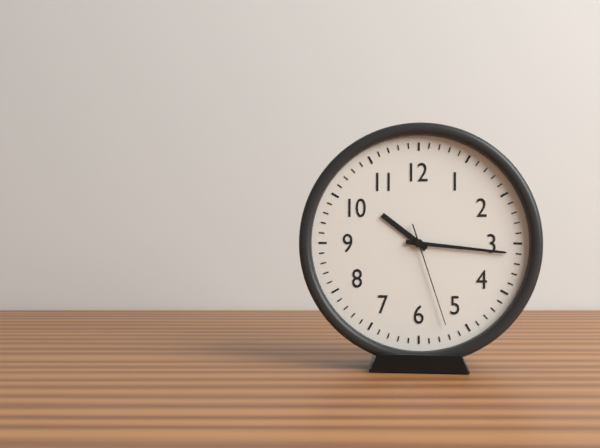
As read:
**10:16:27**
